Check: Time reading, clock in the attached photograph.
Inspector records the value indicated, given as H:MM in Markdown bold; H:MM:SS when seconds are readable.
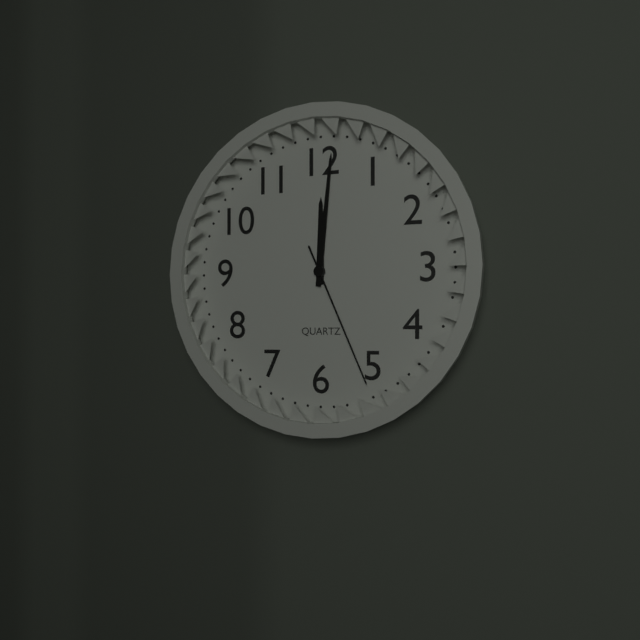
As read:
**12:01:26**
